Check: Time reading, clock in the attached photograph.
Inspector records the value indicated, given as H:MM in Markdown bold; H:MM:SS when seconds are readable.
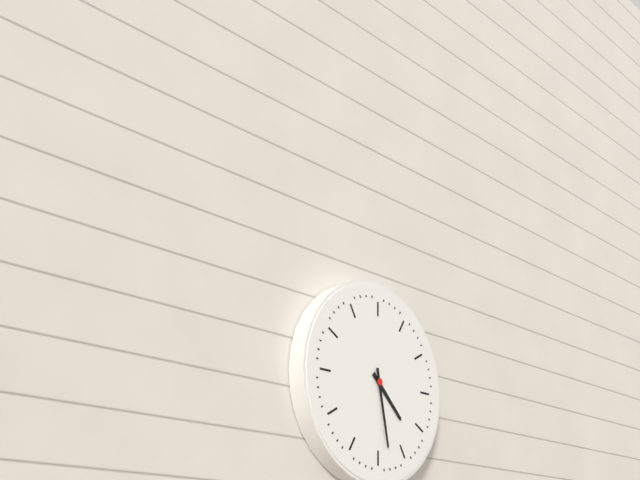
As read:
**4:28**
